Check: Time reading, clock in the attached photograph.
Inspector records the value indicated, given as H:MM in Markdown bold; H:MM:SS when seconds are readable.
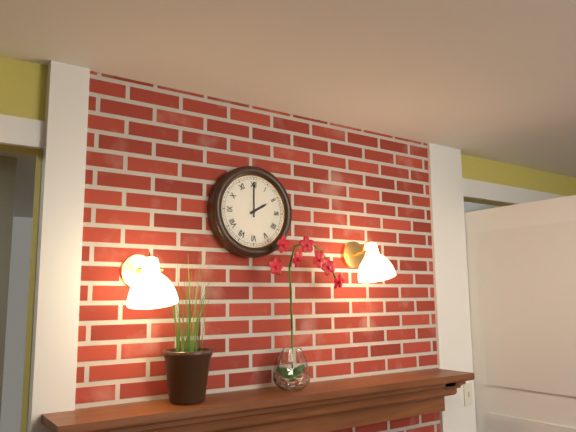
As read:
**2:00**
